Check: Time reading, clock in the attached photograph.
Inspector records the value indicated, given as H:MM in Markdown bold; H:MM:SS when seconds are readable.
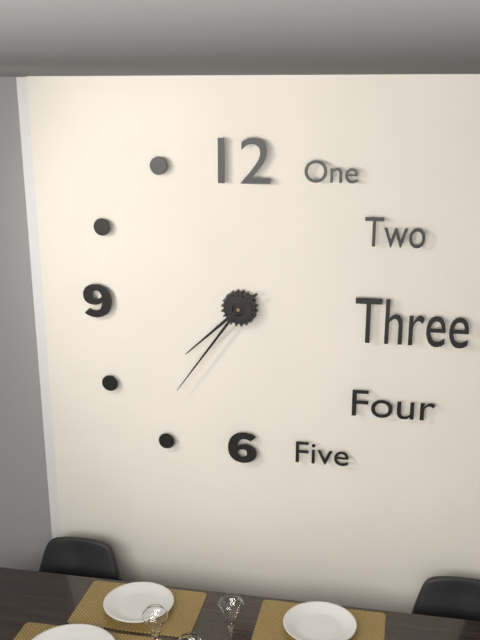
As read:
**7:36**
